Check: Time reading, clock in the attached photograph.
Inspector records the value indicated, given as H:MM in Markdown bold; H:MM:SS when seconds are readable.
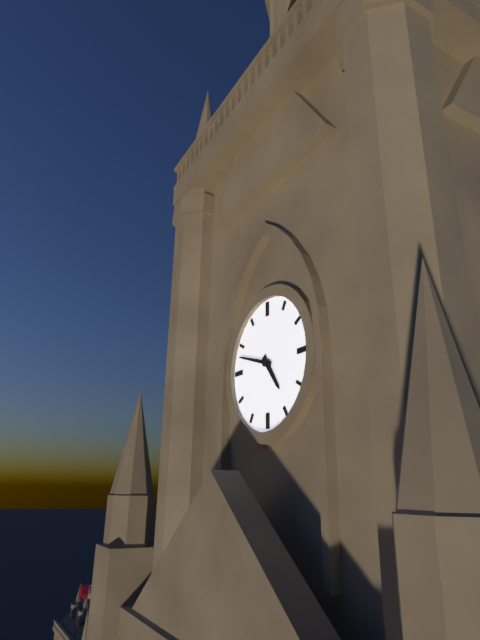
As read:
**4:48**
